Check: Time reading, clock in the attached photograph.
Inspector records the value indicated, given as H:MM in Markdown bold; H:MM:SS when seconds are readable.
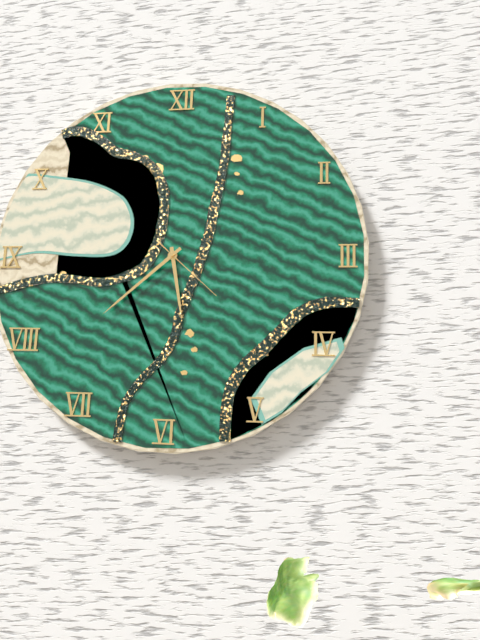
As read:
**5:38:22**
